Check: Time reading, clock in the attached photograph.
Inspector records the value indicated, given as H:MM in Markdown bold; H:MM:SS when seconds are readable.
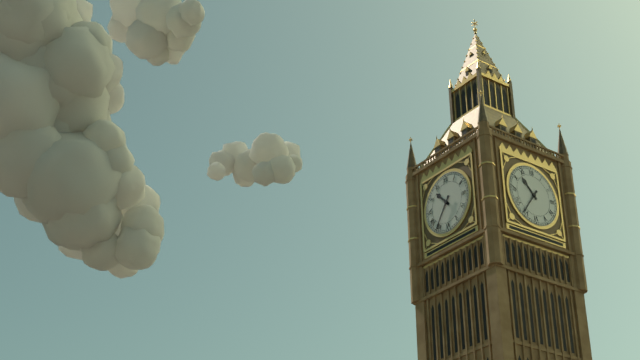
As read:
**10:36**
